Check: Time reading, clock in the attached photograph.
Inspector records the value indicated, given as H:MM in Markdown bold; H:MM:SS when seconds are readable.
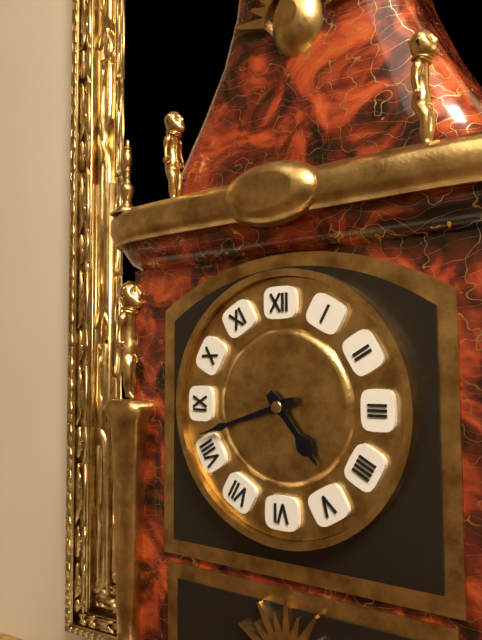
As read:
**4:42**
